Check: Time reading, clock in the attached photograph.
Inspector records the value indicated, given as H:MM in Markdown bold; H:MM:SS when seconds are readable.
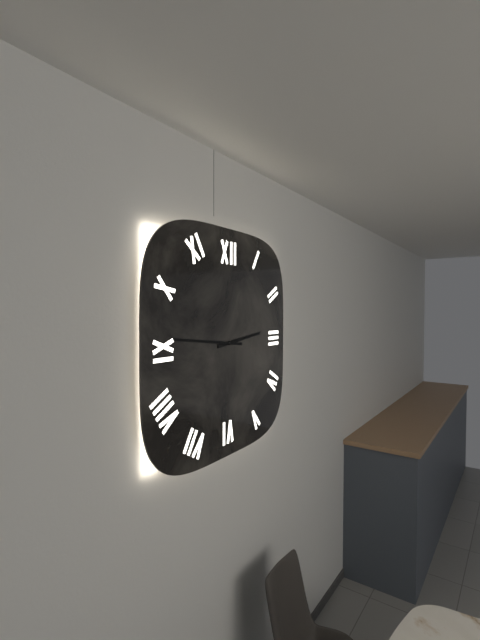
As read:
**2:46**
